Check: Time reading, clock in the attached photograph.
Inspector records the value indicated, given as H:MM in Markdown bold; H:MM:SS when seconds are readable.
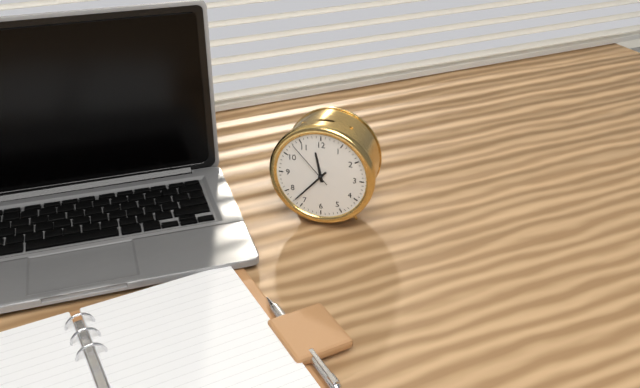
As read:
**11:37:53**
